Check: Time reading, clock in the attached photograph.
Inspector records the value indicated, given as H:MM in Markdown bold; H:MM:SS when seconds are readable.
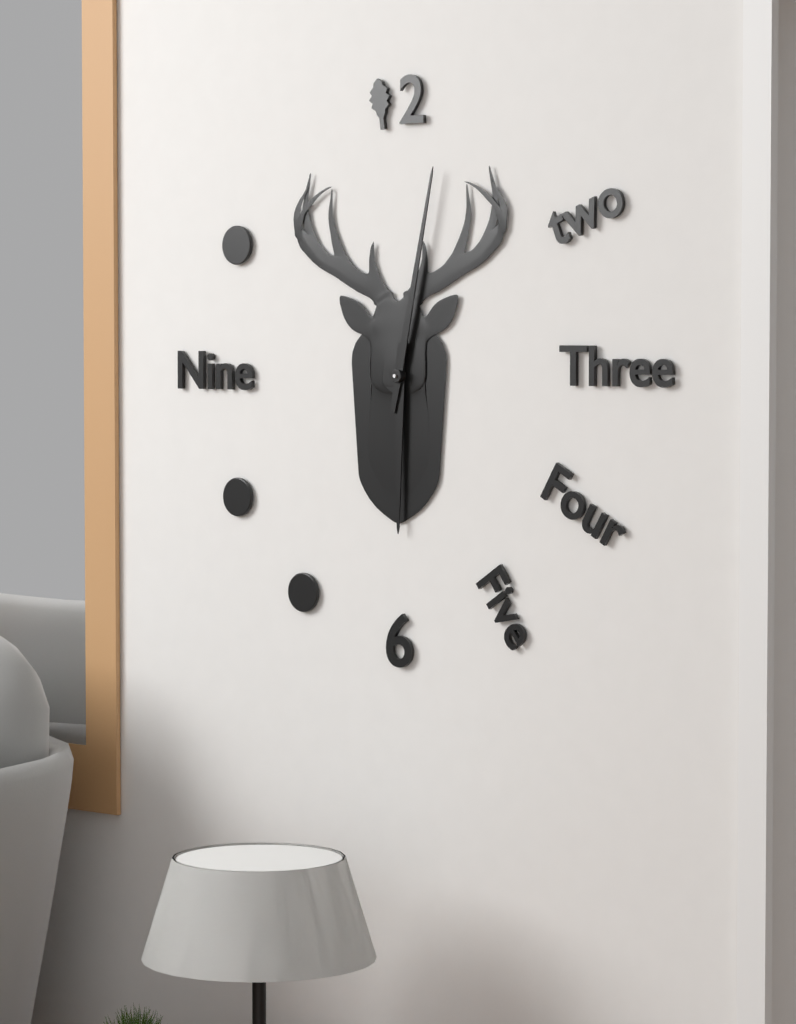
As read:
**6:02**
